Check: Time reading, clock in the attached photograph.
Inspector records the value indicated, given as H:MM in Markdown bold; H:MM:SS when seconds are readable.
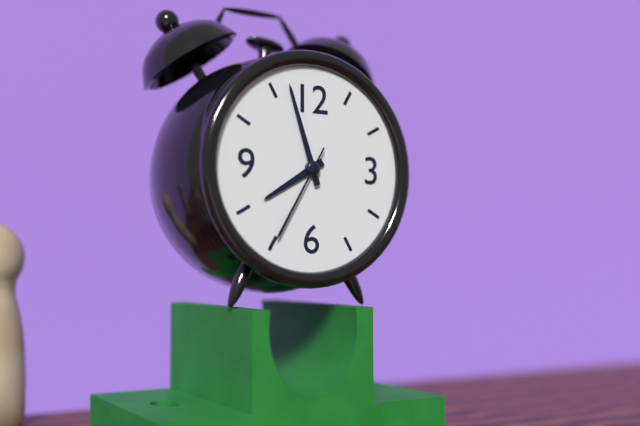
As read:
**7:57:35**
